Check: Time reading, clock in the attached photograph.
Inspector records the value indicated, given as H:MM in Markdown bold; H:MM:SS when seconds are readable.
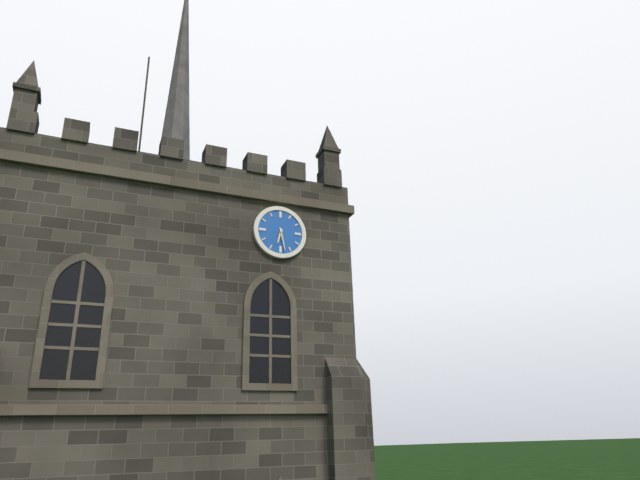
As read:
**6:28**
